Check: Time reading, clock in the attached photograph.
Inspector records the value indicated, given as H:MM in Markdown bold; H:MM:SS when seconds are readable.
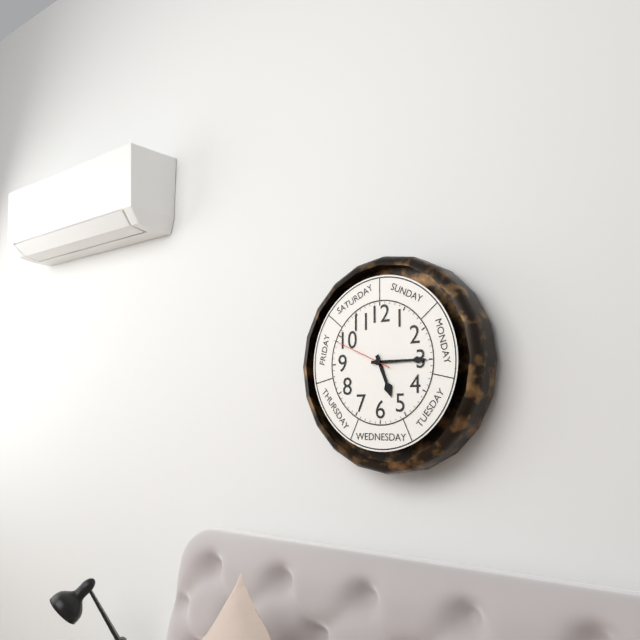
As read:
**5:15:49**
